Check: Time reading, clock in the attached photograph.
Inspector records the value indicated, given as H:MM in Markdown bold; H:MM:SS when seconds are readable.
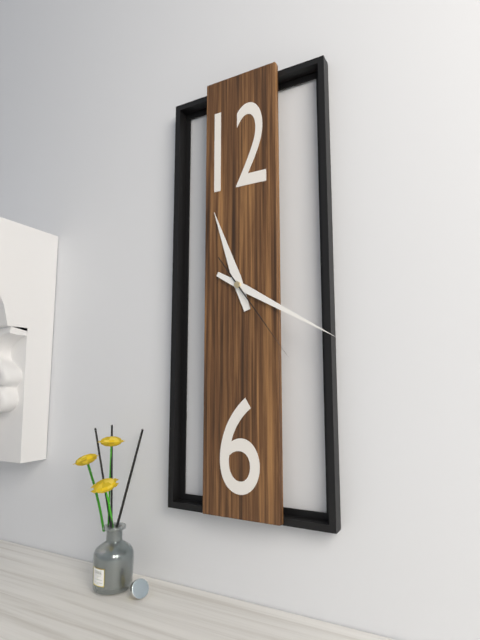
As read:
**11:20:24**
